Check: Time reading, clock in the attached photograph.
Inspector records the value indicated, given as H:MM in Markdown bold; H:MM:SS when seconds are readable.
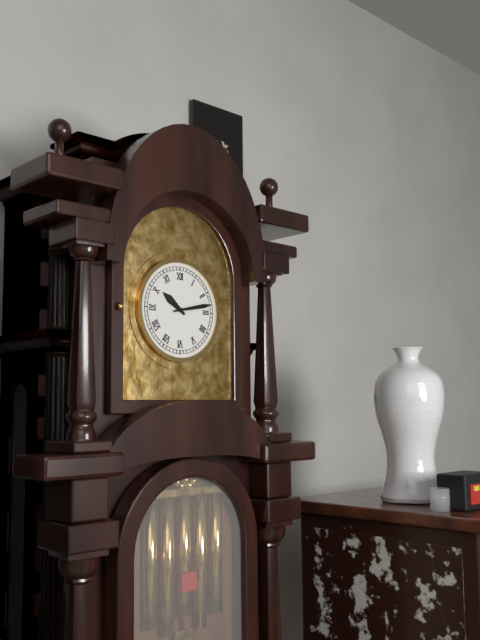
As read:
**10:13**
